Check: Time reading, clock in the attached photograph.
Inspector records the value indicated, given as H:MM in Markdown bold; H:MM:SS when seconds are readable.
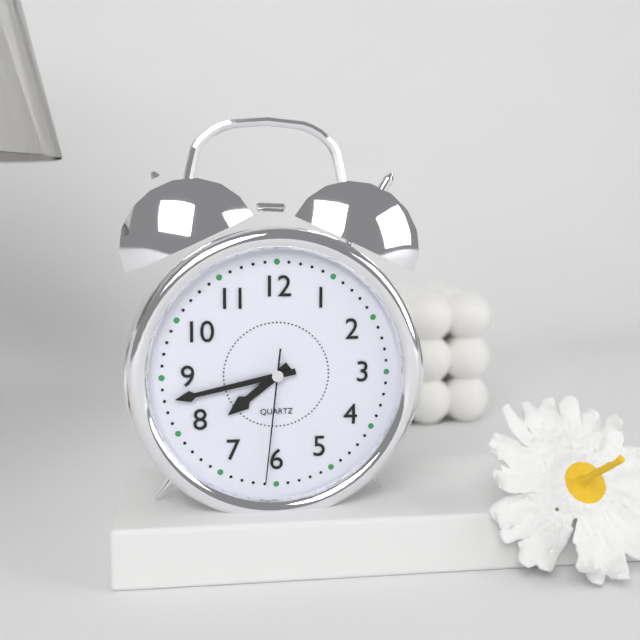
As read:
**7:43:31**
